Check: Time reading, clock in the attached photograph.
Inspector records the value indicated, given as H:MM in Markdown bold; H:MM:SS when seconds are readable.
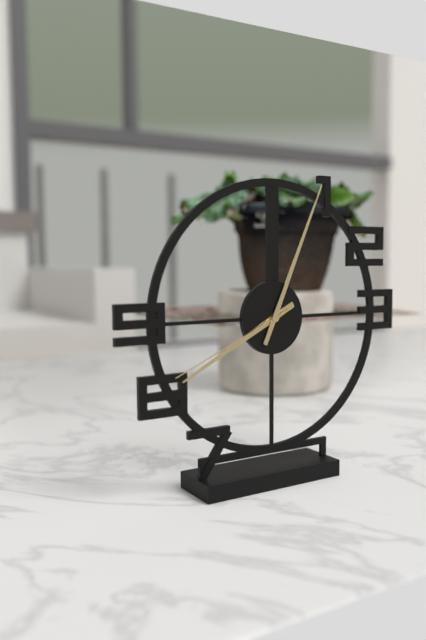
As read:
**8:04:41**
